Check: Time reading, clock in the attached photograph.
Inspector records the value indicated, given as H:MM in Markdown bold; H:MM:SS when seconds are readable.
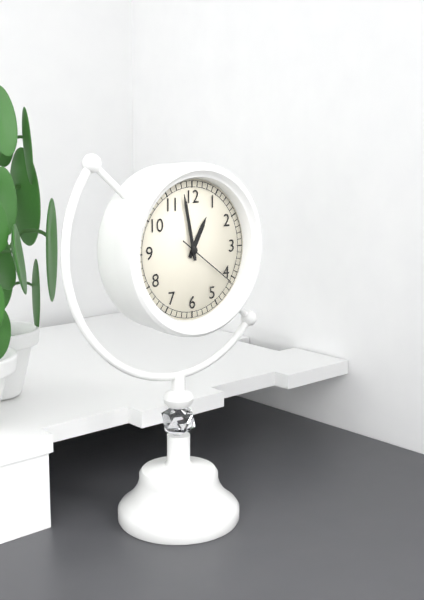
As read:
**12:58:21**
